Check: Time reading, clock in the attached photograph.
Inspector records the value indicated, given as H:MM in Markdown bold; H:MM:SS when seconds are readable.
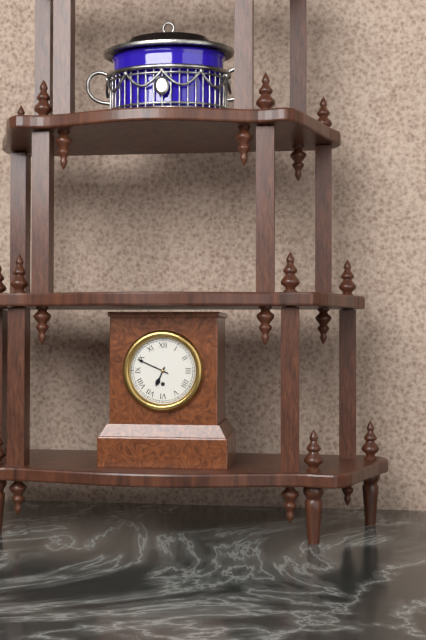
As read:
**6:49**
